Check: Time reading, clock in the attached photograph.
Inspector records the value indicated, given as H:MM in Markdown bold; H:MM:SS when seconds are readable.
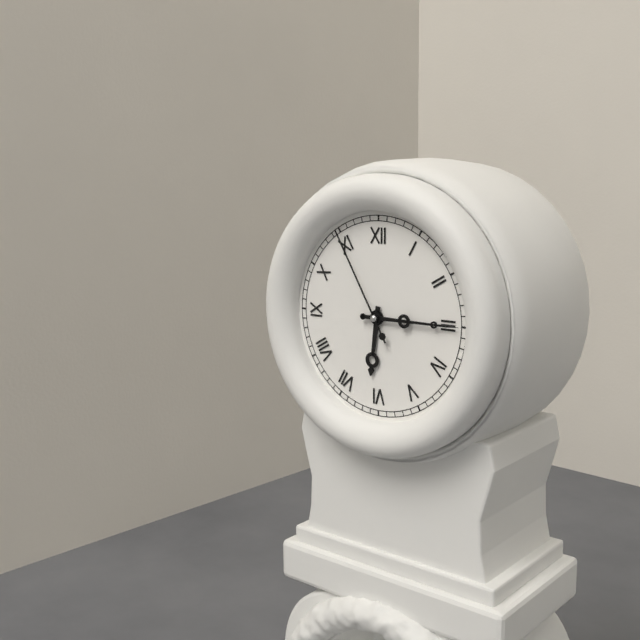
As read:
**6:15:55**
